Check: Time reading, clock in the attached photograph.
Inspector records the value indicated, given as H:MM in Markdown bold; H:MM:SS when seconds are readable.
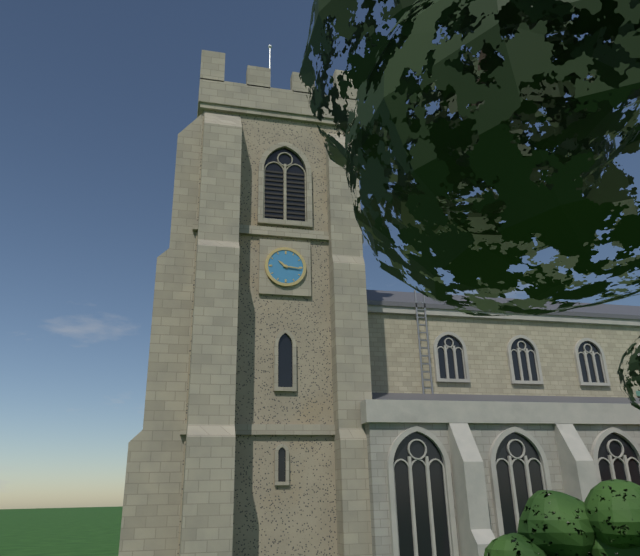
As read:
**10:16**
